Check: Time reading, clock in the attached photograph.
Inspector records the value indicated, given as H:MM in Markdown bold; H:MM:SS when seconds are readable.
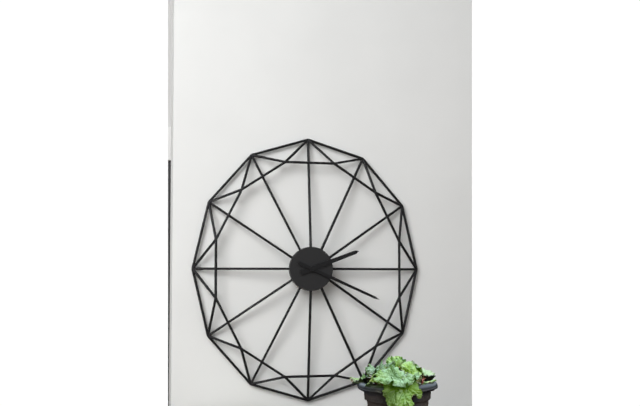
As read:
**2:19**
